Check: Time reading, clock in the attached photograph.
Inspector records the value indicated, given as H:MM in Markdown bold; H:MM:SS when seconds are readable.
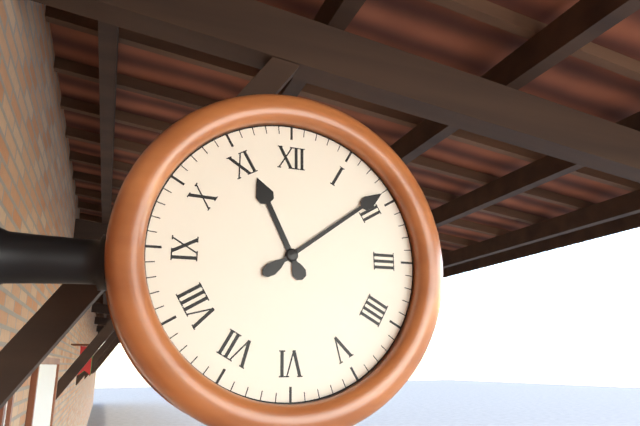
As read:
**11:09**
